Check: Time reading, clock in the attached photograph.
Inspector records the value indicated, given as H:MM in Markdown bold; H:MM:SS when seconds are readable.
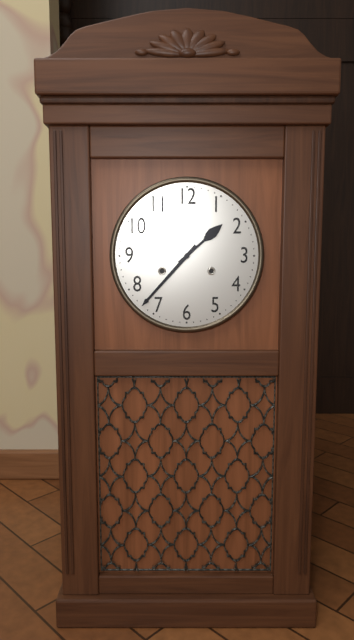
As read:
**1:37**
